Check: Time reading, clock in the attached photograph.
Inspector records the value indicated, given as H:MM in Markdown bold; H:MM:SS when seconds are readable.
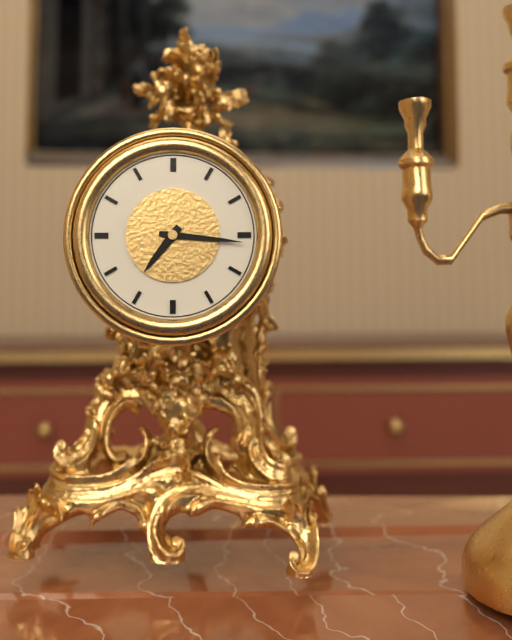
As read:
**7:16**
